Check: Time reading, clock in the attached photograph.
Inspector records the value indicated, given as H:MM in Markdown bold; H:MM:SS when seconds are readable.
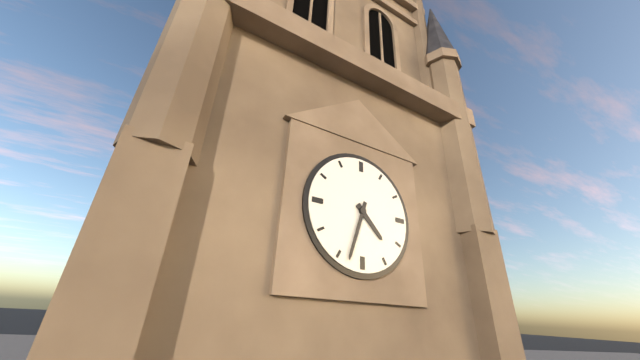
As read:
**4:33**
